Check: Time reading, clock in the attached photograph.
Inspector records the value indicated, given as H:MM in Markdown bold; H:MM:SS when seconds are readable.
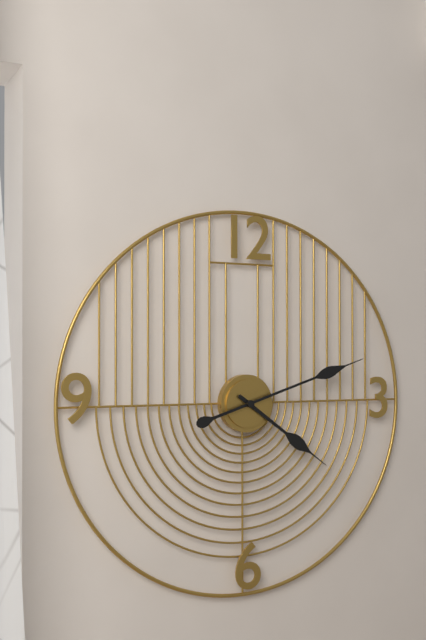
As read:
**4:12**
